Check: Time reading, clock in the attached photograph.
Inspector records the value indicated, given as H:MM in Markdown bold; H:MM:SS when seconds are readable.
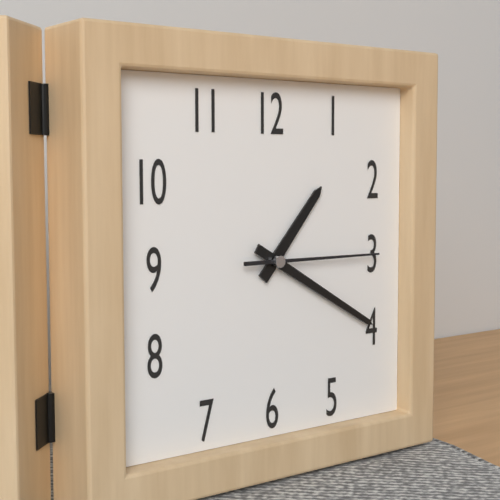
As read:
**1:20:15**
